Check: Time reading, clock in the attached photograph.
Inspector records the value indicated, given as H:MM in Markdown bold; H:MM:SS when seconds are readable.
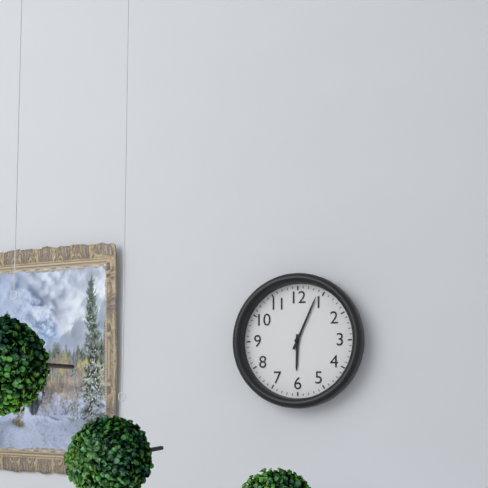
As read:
**6:04**
